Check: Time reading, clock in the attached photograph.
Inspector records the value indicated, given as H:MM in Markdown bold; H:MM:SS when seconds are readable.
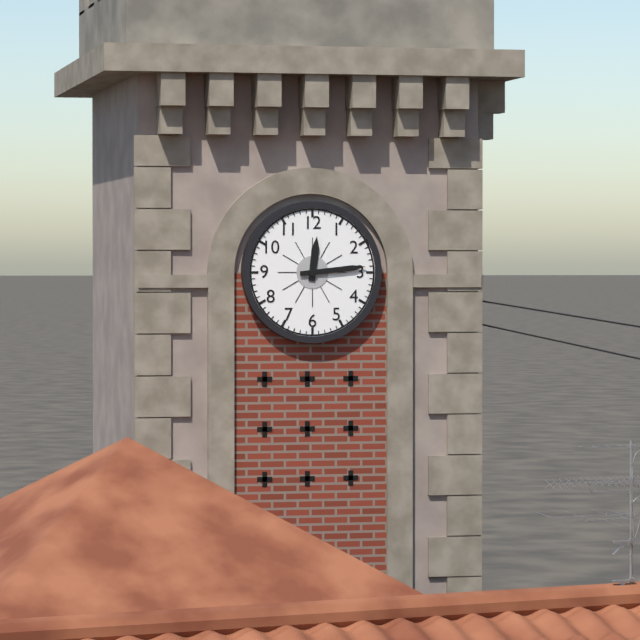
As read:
**12:14**
